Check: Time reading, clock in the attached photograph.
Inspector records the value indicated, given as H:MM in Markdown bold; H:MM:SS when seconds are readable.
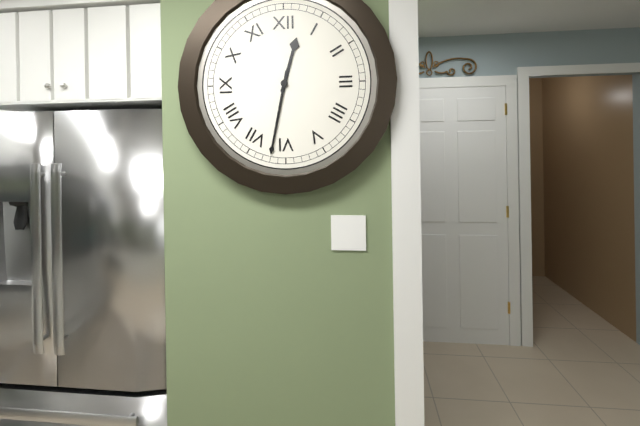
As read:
**12:32**
